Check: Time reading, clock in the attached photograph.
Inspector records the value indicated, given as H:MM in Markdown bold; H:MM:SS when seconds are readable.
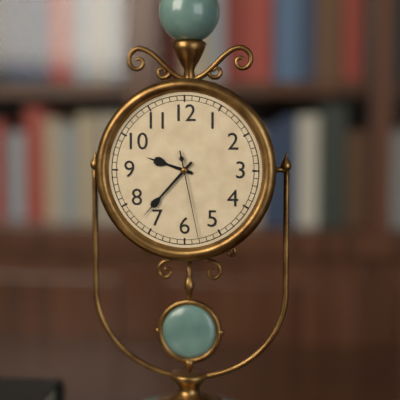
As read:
**9:37:28**
